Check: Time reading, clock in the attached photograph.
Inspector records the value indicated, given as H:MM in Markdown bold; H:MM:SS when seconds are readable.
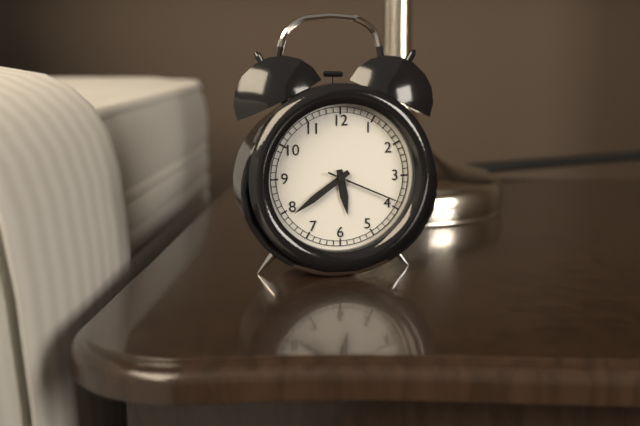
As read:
**5:39:19**
